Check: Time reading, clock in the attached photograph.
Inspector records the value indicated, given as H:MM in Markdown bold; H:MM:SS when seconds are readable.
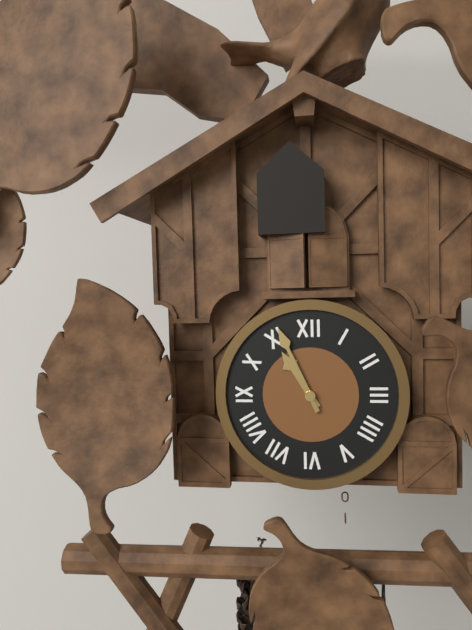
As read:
**10:56**
